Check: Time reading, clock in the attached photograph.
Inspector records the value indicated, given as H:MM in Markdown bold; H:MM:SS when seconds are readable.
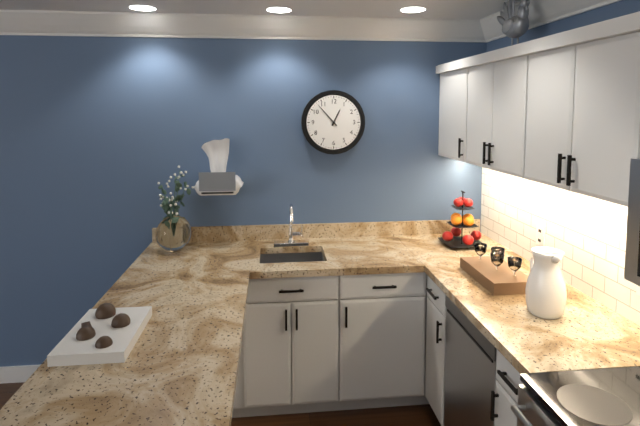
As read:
**12:53**
